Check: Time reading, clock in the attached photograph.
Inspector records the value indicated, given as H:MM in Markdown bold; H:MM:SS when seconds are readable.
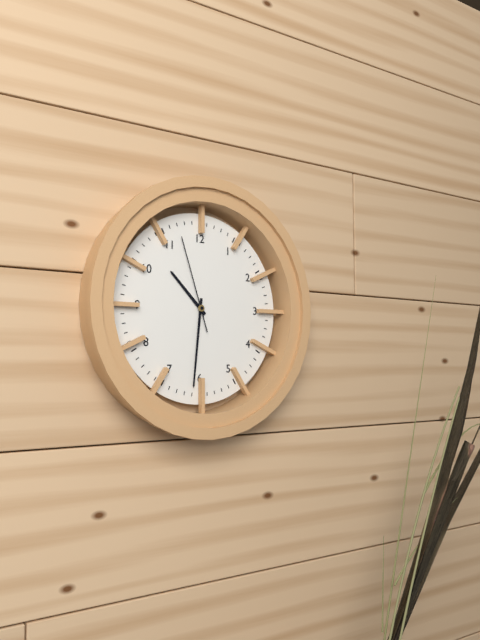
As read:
**10:31:57**
